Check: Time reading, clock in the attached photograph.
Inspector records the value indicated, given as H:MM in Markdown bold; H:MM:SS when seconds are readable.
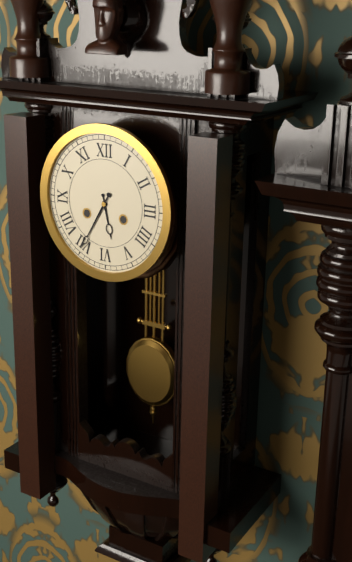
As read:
**5:35**
